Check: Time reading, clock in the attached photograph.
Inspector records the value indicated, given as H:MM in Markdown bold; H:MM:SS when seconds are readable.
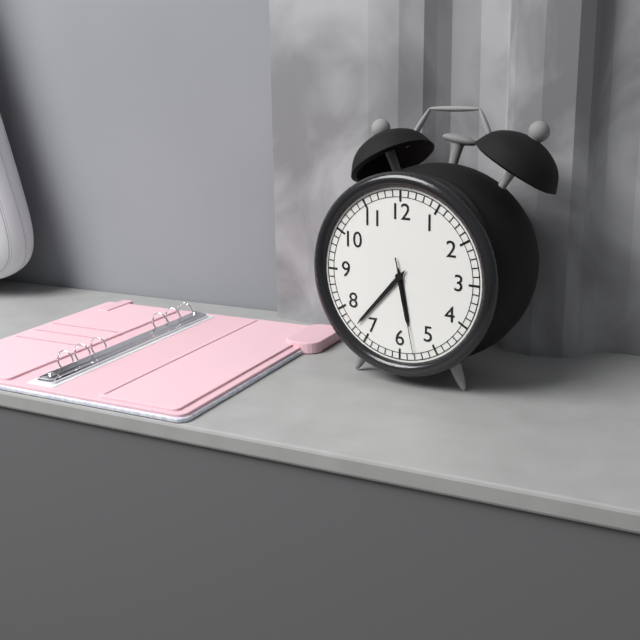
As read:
**5:37:28**
